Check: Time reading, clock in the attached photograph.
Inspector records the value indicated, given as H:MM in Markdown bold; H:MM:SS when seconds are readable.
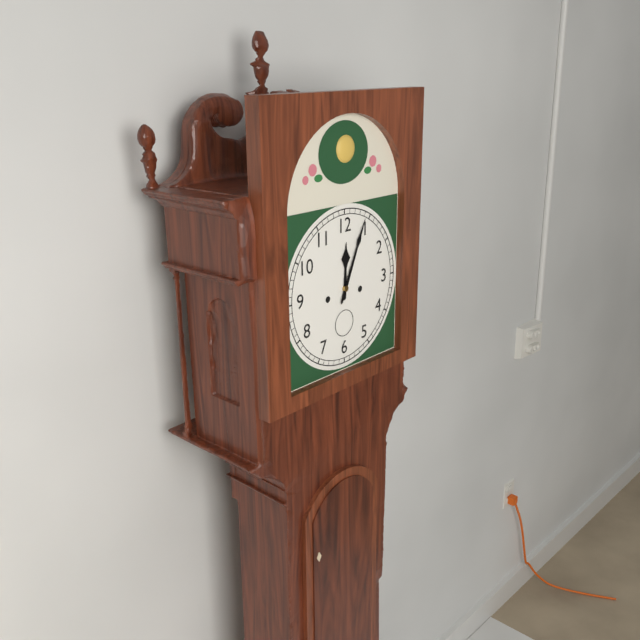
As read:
**12:04**
